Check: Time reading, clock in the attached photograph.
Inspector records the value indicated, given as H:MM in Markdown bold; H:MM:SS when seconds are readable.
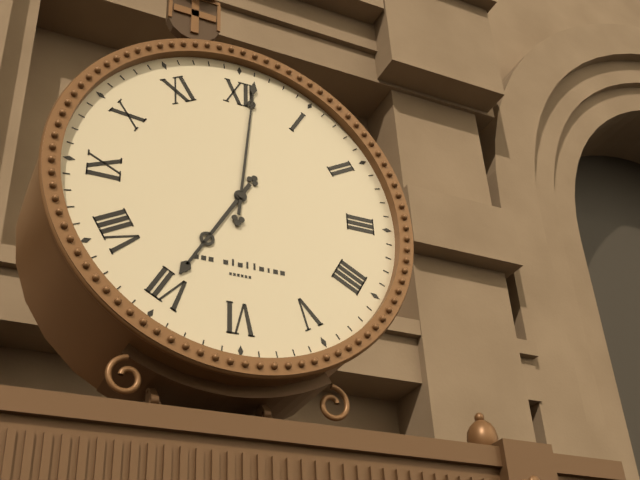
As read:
**7:01**
